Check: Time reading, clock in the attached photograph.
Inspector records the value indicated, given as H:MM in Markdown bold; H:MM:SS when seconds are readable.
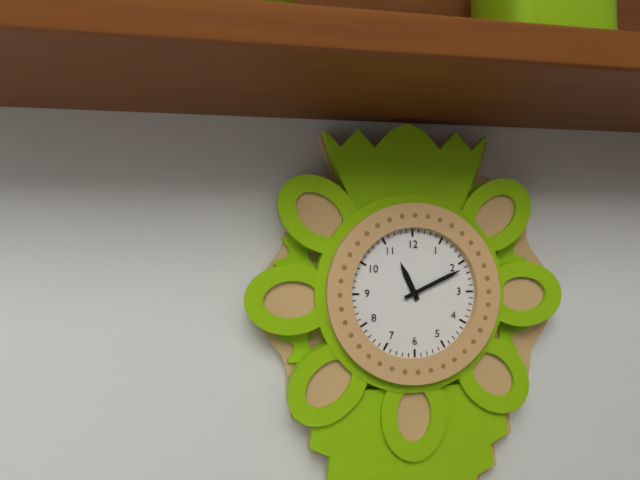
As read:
**11:11**
